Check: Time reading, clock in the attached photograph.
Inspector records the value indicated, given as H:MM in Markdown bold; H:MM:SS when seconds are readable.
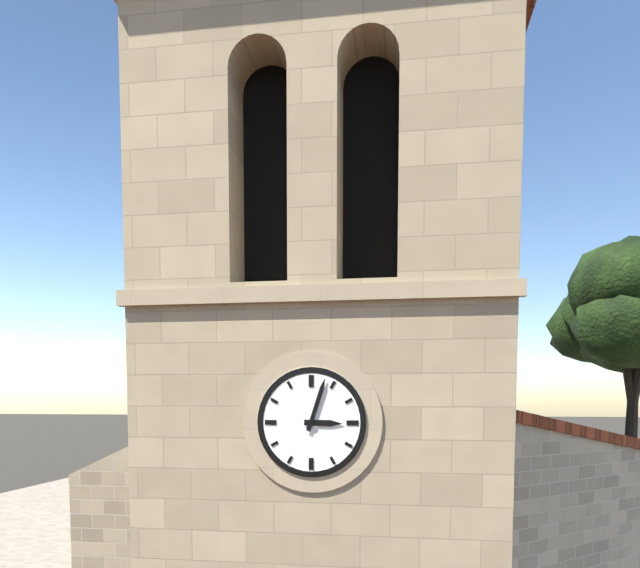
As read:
**3:03**
